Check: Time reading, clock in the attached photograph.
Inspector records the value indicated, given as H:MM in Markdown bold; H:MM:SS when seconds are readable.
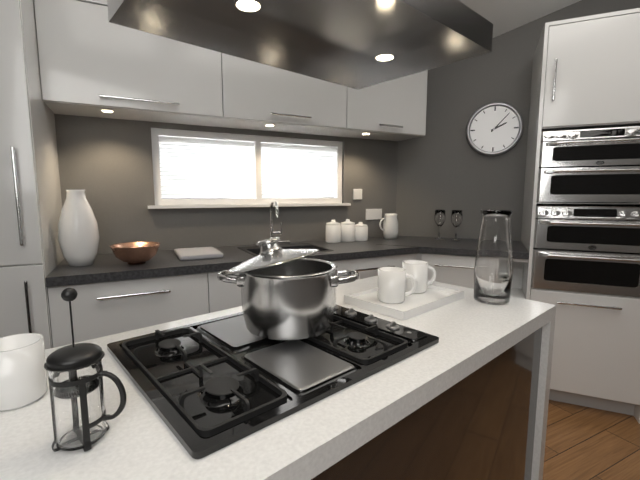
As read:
**2:07**
